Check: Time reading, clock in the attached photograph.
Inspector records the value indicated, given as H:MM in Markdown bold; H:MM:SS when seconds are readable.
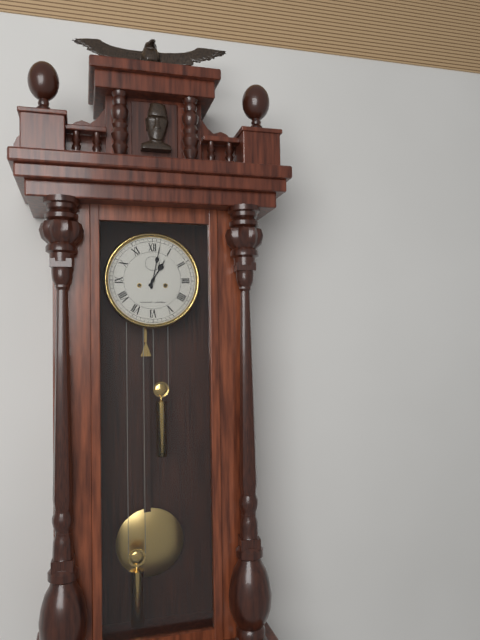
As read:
**1:02**
